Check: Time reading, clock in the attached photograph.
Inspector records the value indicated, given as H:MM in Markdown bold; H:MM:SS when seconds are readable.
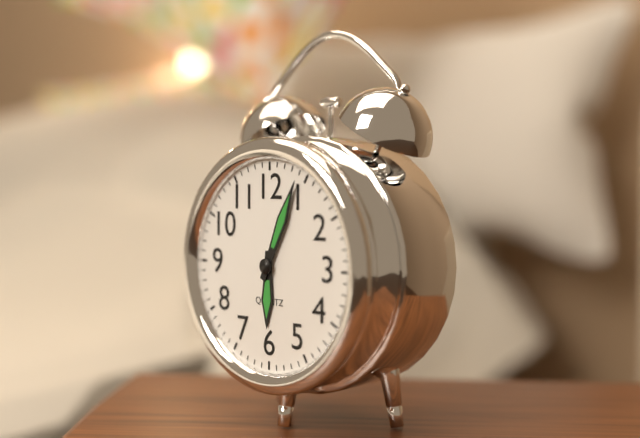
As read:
**6:04**
